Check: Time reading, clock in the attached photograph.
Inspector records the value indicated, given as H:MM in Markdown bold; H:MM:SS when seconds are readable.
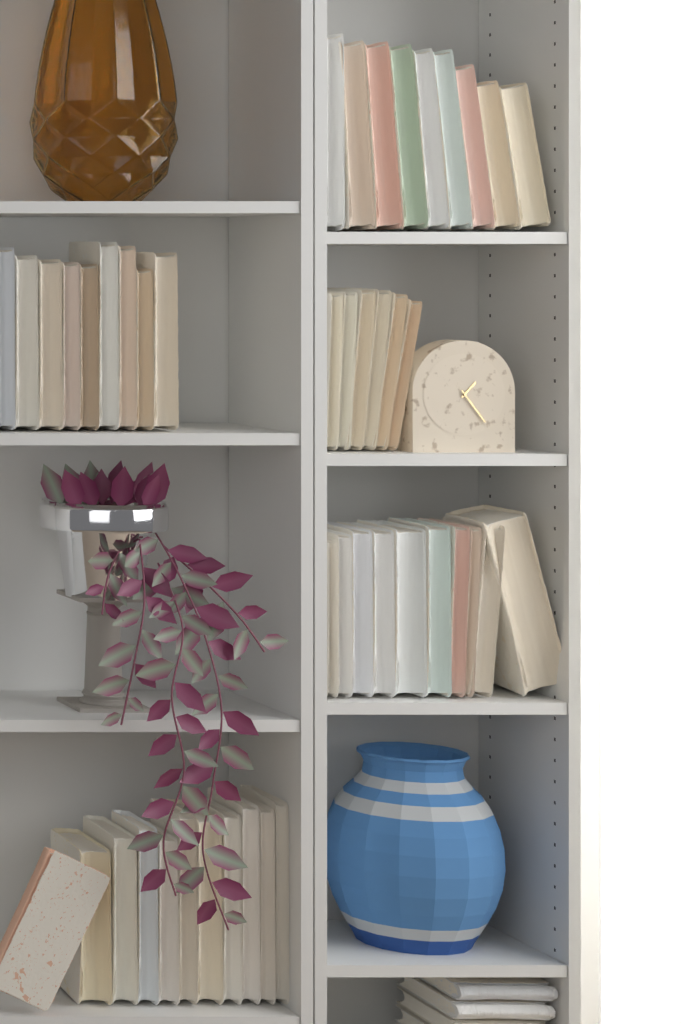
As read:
**1:24**
